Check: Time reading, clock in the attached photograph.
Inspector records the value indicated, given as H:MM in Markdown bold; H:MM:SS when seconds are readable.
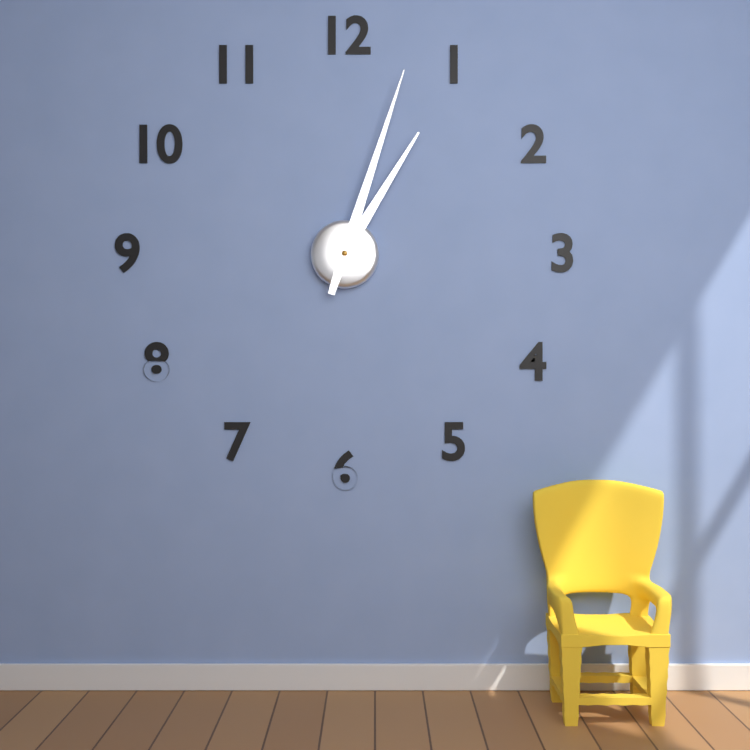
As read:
**1:03**
